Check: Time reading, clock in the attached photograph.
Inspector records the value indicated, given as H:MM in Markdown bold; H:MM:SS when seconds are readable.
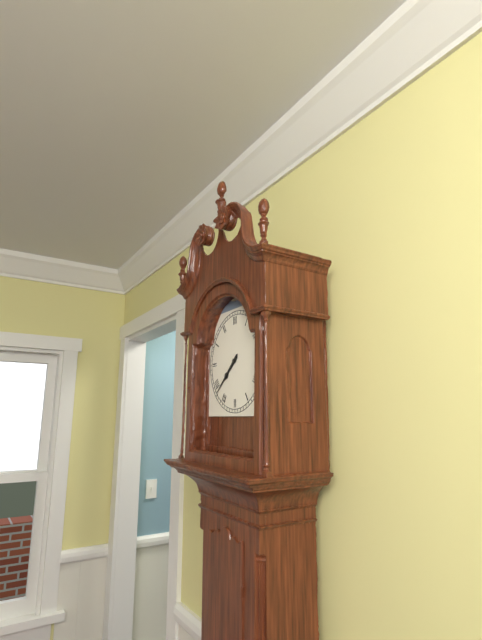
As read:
**7:38**
